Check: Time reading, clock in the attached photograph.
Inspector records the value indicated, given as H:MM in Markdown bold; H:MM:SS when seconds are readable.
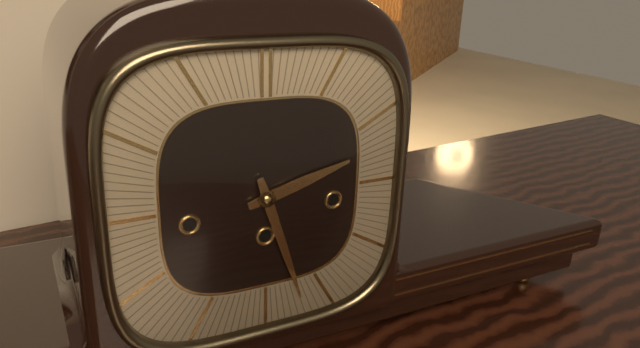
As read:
**2:27**
